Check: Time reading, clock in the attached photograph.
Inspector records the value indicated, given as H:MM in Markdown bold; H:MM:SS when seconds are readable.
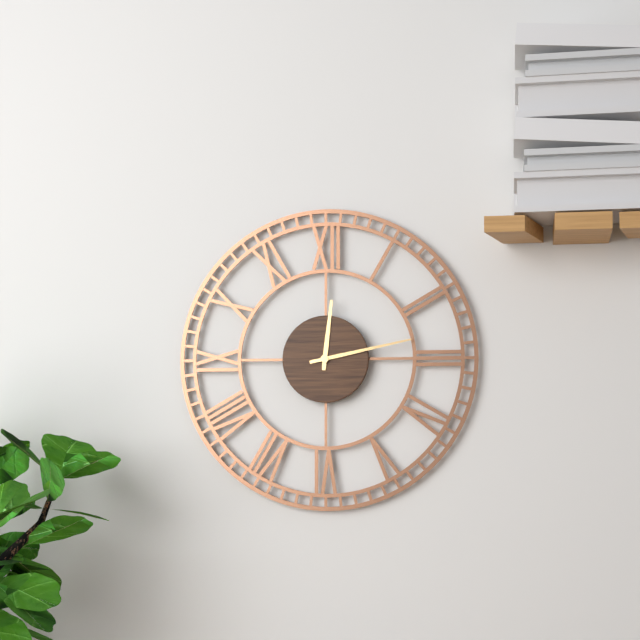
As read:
**12:13**
